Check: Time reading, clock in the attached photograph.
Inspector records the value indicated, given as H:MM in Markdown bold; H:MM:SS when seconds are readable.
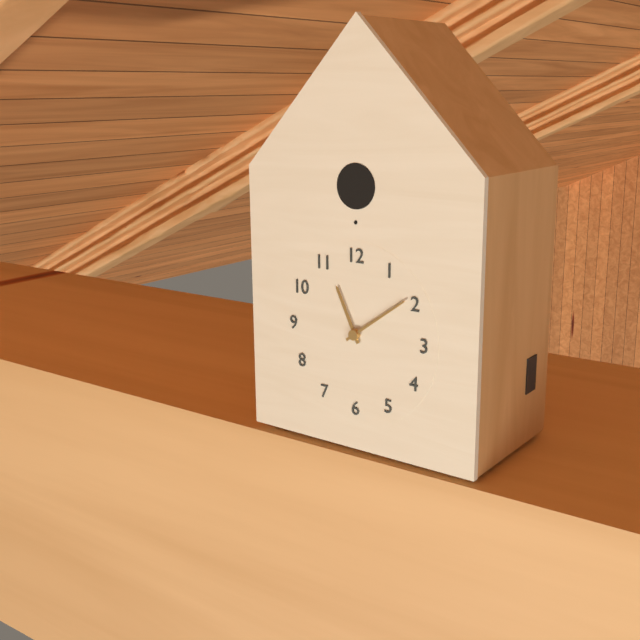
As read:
**11:09**
